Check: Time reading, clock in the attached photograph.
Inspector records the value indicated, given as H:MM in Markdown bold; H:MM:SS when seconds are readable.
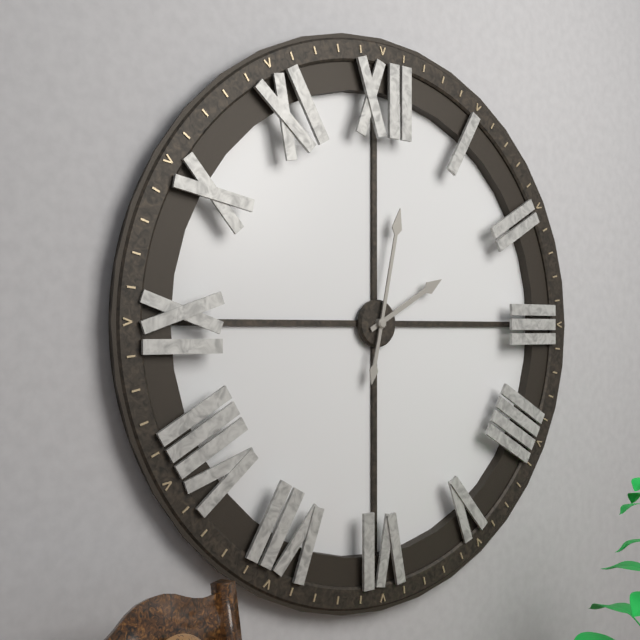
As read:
**2:02**
